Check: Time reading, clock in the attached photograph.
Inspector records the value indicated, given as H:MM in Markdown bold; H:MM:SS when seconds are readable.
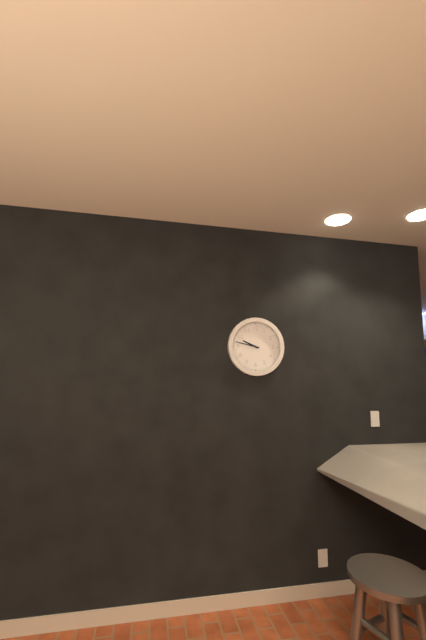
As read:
**9:47**
